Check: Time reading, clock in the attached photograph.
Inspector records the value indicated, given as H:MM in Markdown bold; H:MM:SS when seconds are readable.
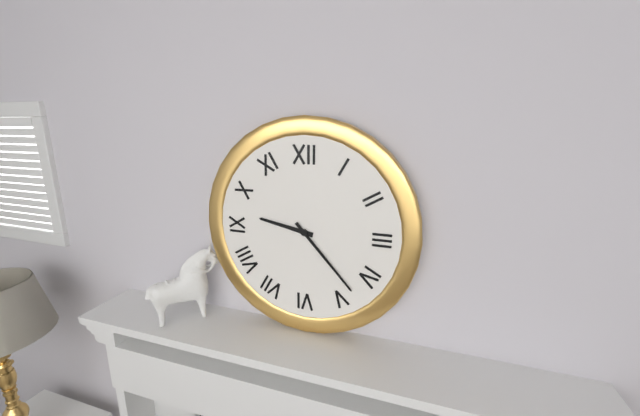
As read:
**9:23**
